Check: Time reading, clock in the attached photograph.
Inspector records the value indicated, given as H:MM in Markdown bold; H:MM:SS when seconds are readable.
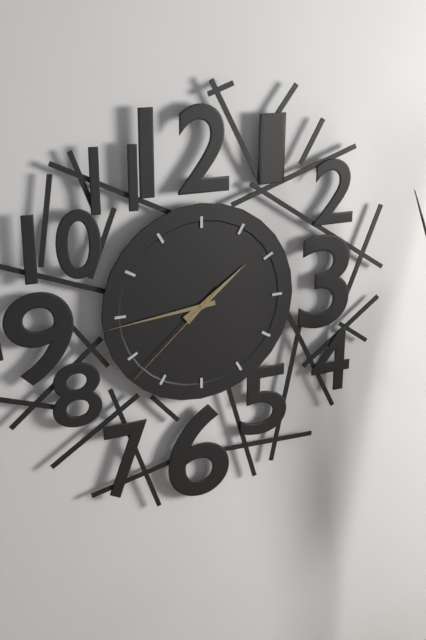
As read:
**1:44:38**
